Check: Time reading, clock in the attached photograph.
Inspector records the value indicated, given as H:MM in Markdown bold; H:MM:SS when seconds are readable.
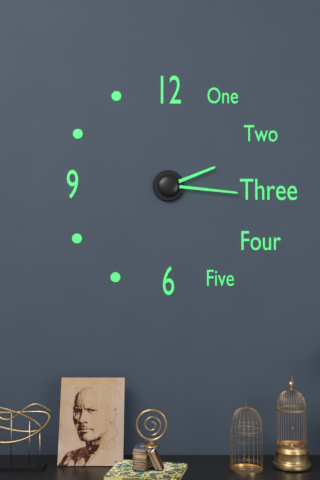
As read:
**2:16**
